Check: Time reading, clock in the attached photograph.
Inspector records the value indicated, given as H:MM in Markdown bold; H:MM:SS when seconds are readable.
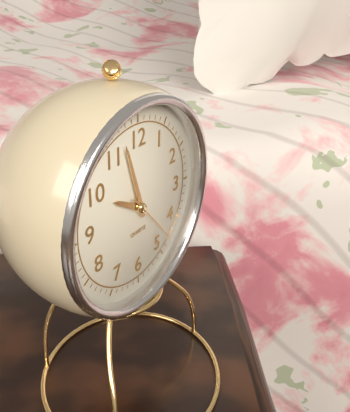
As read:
**9:57:23**
